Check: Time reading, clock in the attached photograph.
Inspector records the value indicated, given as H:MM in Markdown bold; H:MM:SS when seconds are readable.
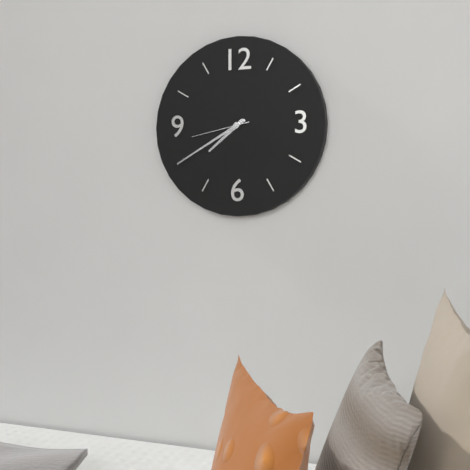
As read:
**7:40:43**
